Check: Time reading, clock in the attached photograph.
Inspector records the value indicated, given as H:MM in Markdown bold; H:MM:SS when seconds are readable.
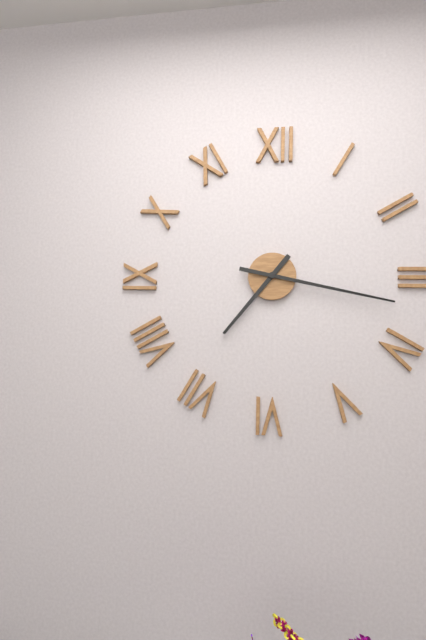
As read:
**7:17**
